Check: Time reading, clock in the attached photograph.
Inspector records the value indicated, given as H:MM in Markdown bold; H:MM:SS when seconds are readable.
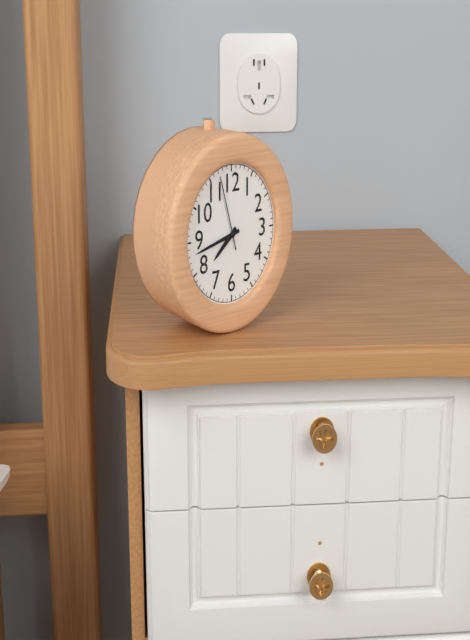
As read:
**7:43:57**
